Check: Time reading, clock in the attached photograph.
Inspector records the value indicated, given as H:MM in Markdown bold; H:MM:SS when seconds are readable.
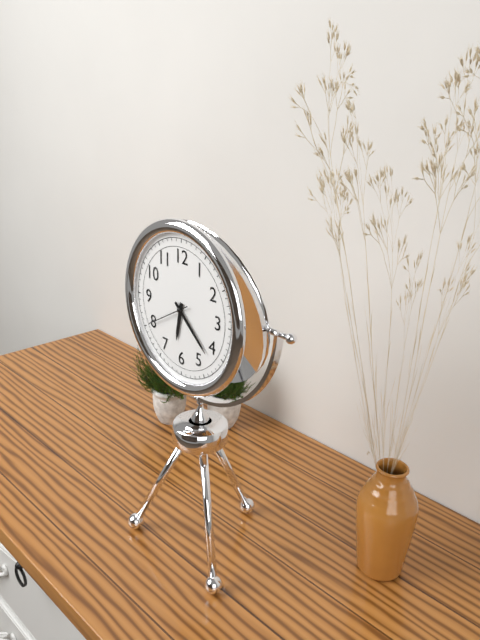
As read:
**6:22**
